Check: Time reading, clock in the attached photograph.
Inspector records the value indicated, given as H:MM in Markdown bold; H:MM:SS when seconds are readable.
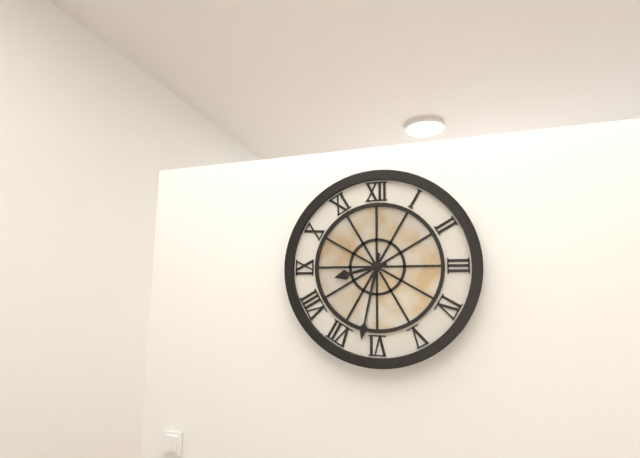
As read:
**8:32**
